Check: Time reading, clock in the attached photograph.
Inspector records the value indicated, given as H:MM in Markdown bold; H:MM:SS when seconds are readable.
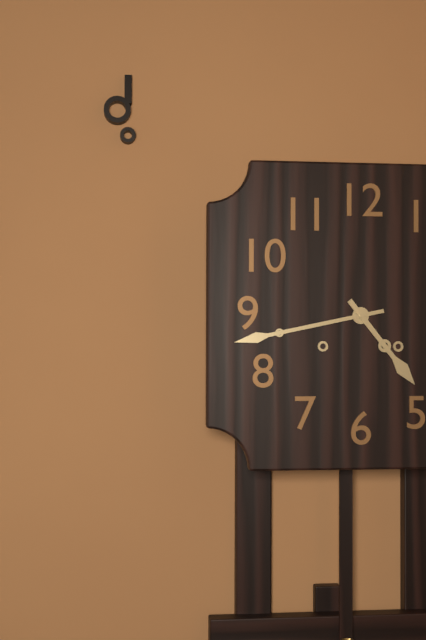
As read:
**4:43**
